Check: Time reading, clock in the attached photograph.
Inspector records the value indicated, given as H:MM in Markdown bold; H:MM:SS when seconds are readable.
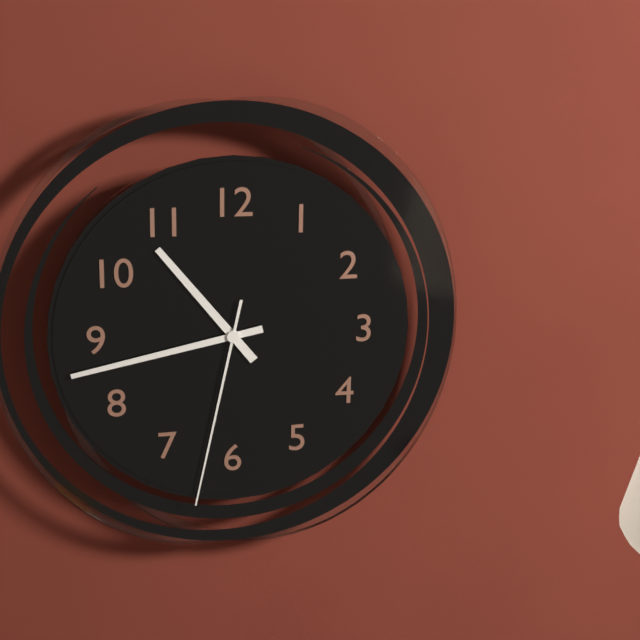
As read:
**10:43:32**
